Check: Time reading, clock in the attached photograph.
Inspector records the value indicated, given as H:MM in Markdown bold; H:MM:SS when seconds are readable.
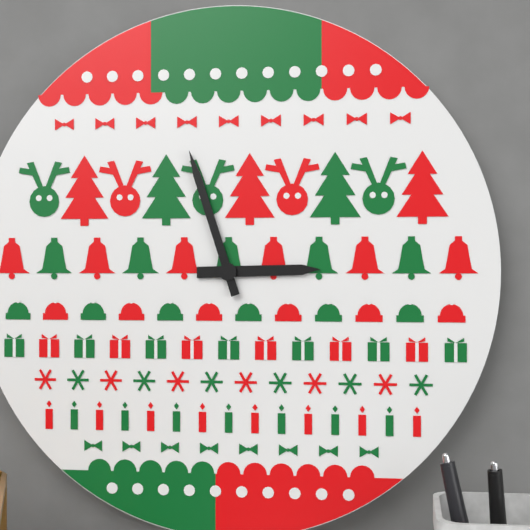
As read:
**2:57**
